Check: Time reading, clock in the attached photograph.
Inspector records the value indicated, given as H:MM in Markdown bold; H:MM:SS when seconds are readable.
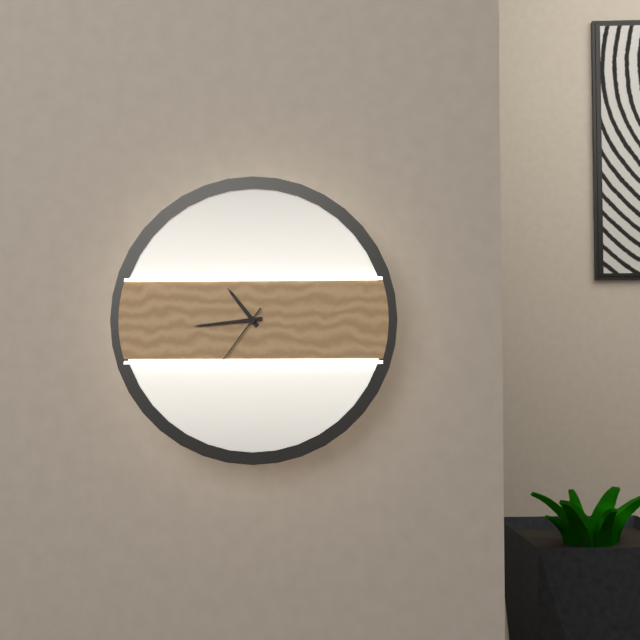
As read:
**10:44:36**
